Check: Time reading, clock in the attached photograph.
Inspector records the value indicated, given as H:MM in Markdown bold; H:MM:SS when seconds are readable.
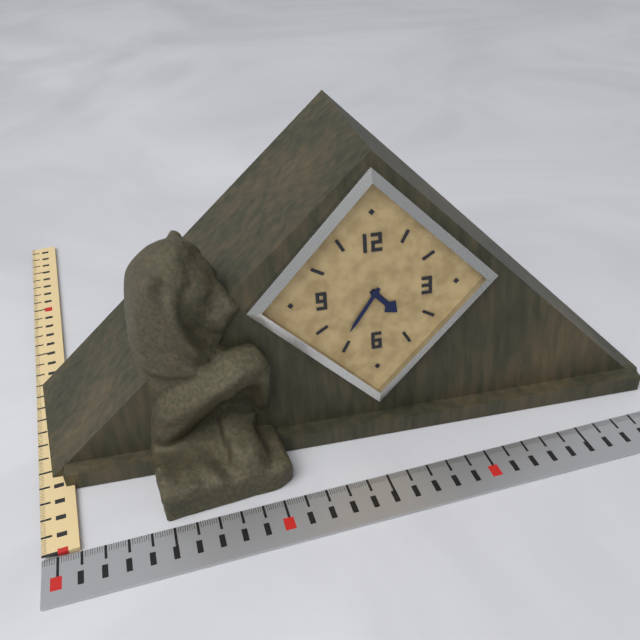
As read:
**4:36**
